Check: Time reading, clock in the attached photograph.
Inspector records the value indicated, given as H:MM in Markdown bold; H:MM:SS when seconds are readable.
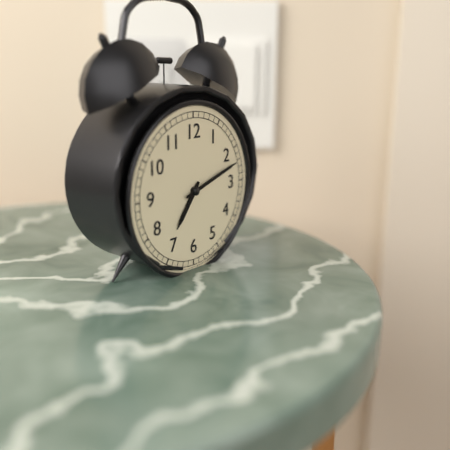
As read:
**7:12**
